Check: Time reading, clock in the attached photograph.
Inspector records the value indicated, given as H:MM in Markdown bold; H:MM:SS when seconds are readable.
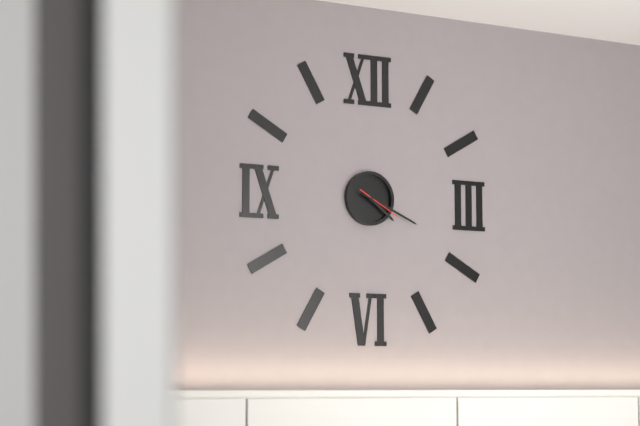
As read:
**4:19**
